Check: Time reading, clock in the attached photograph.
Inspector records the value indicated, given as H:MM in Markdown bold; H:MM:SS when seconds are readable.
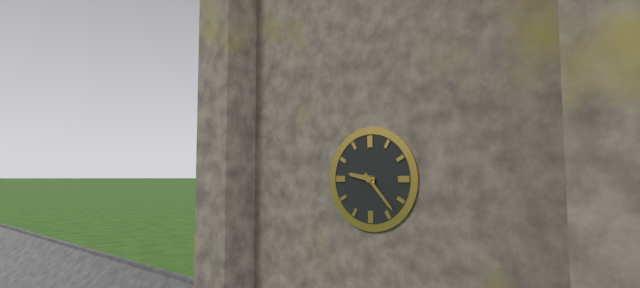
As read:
**9:23**
